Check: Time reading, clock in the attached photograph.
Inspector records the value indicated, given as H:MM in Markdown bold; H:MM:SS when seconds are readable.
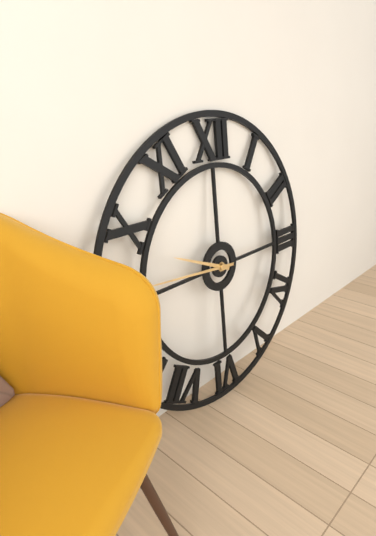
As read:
**9:46**
